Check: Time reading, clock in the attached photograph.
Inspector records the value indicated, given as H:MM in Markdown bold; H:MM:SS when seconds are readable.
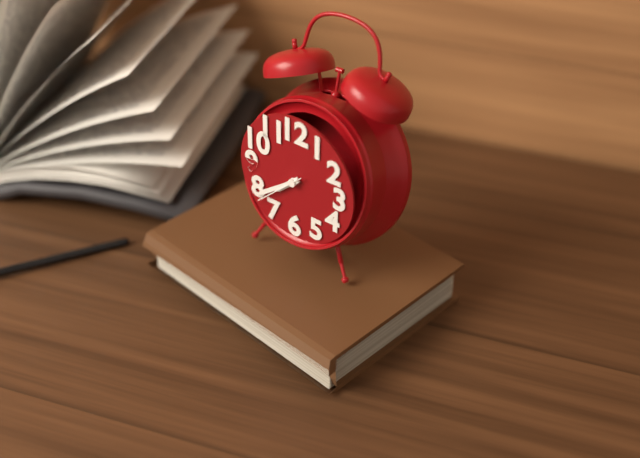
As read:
**7:39:38**
